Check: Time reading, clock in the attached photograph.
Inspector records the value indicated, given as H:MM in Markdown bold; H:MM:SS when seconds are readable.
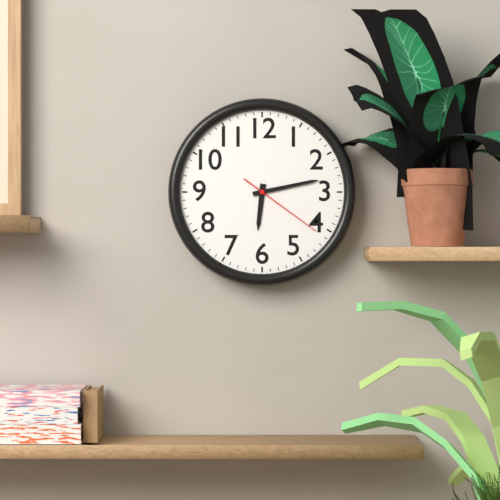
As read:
**6:13:21**
